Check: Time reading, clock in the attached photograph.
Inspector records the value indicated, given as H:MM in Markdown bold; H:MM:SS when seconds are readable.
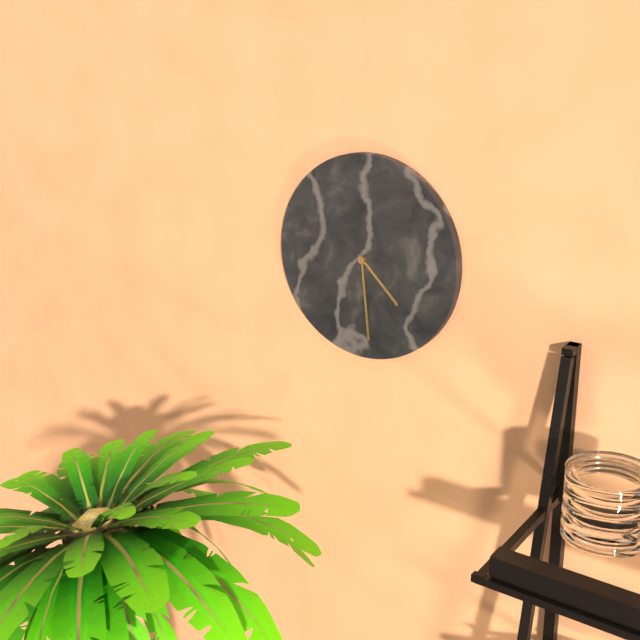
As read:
**4:29**
